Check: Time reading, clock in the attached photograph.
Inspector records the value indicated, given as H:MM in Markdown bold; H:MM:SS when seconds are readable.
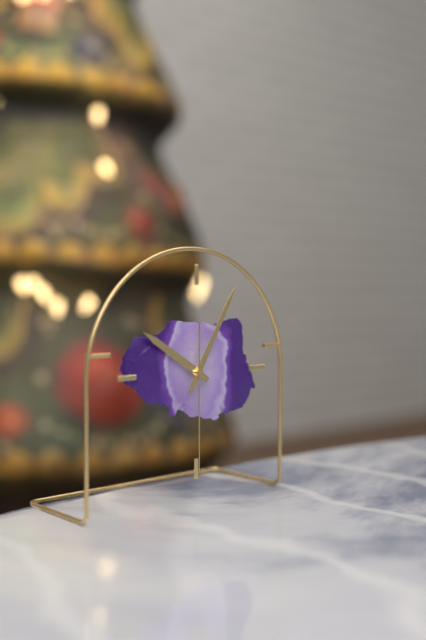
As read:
**10:05:30**
